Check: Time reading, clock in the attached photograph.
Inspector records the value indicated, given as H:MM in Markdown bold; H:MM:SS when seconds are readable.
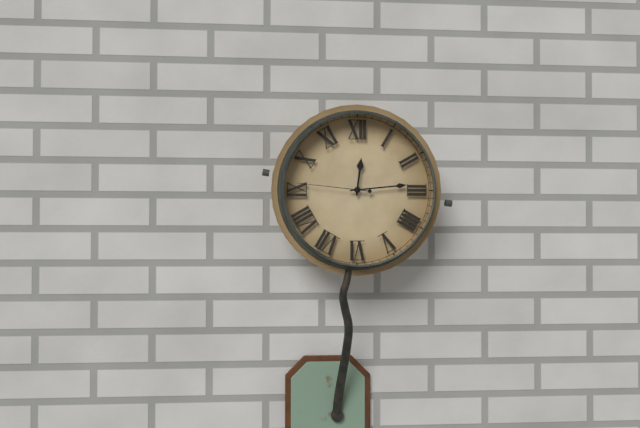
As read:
**12:14:46**
